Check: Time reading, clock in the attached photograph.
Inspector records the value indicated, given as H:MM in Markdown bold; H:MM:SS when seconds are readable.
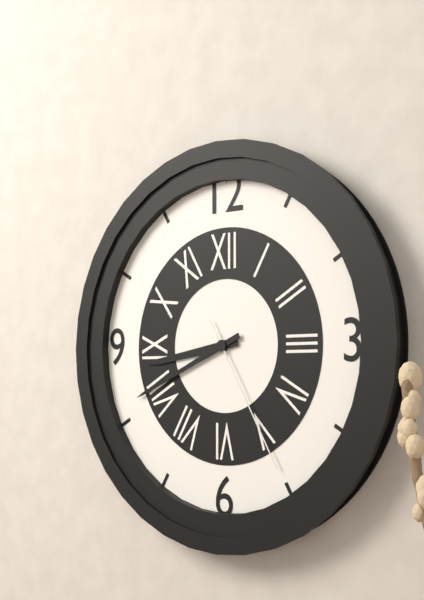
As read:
**8:41:25**
